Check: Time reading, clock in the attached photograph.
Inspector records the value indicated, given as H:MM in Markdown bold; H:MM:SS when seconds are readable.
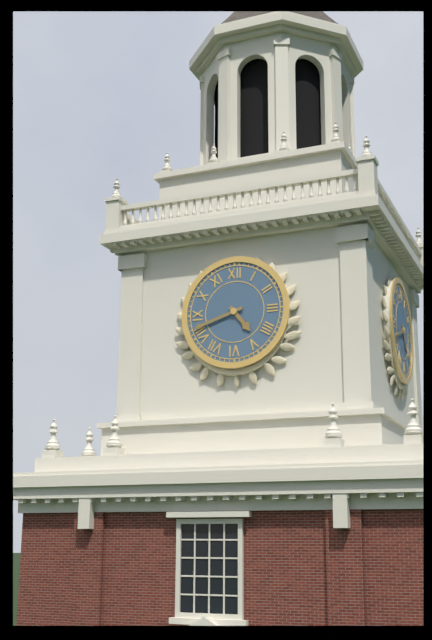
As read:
**4:42**
